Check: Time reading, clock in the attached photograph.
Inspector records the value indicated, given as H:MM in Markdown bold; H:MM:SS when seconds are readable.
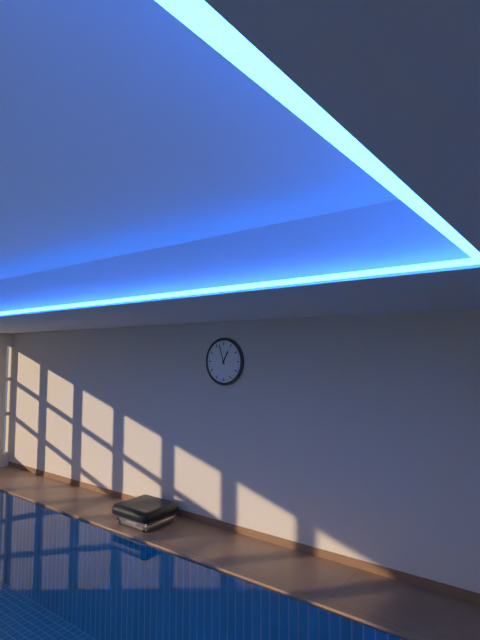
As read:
**12:57**
